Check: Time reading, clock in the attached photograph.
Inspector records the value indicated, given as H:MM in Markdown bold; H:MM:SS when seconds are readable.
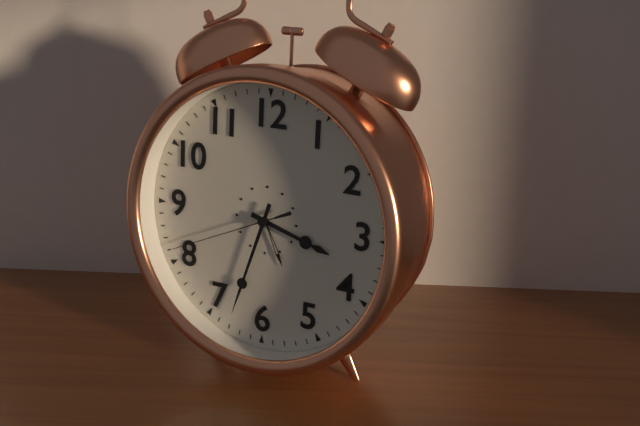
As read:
**3:33:41**
